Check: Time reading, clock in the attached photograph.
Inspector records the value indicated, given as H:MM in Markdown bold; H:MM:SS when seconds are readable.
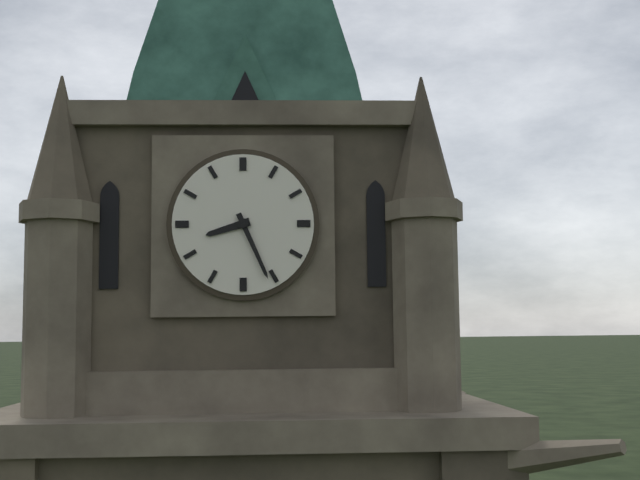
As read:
**8:26**
